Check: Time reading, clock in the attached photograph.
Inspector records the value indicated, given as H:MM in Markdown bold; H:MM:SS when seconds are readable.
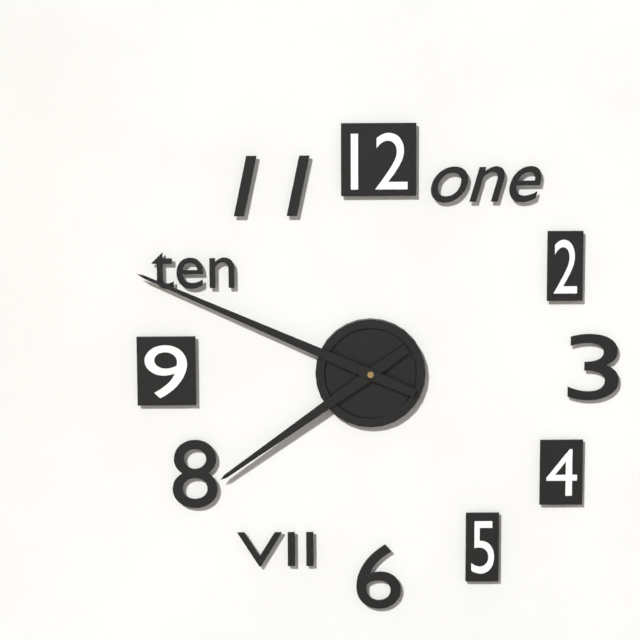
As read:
**7:49**
